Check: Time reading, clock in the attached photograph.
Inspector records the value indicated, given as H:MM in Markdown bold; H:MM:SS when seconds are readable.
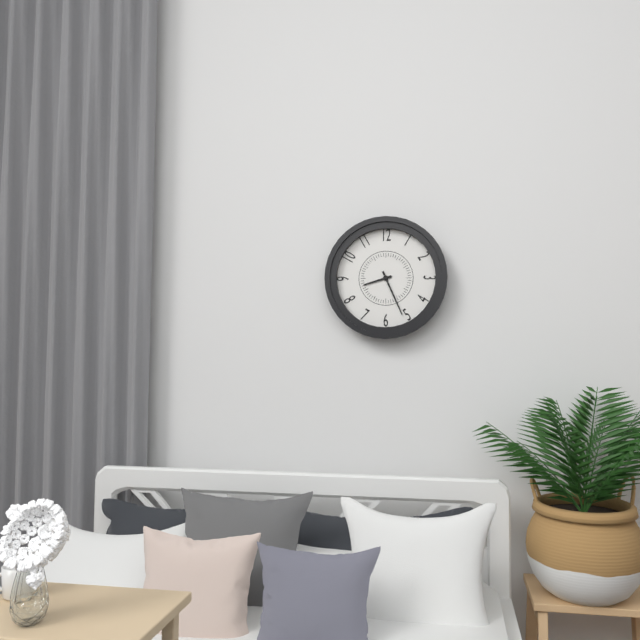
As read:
**8:26**
